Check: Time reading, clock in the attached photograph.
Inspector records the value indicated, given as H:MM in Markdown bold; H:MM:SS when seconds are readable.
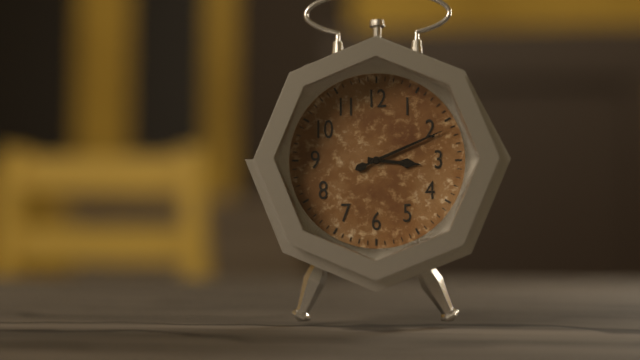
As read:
**3:11**
